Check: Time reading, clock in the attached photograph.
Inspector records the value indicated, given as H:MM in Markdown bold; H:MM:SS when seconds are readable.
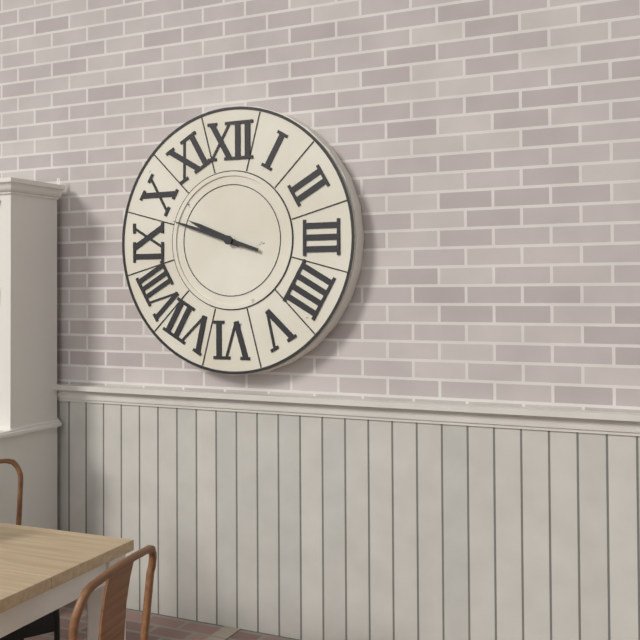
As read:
**9:48**
